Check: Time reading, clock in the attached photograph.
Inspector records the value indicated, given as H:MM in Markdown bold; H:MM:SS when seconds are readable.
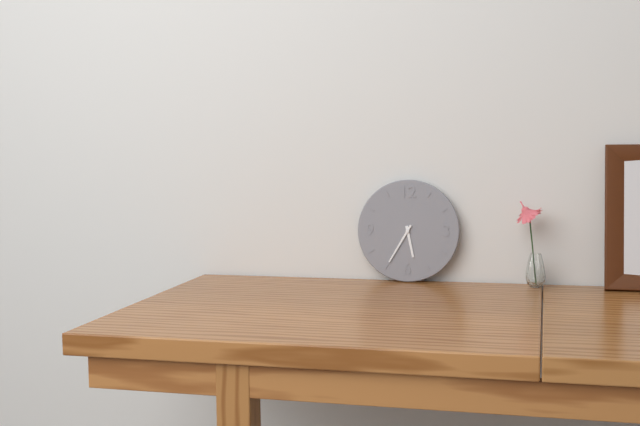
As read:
**5:35**
